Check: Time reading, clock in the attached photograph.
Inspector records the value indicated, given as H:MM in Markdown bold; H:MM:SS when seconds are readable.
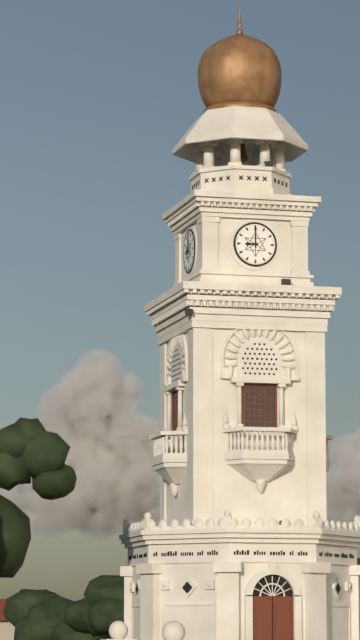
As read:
**9:00**
